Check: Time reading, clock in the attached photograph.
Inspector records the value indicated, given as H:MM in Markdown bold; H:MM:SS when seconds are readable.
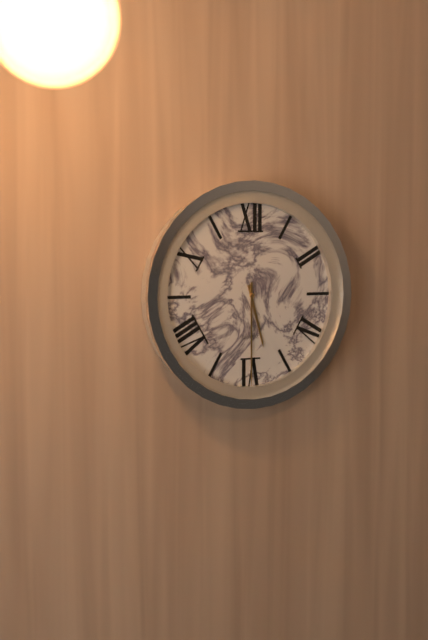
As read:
**5:30**
